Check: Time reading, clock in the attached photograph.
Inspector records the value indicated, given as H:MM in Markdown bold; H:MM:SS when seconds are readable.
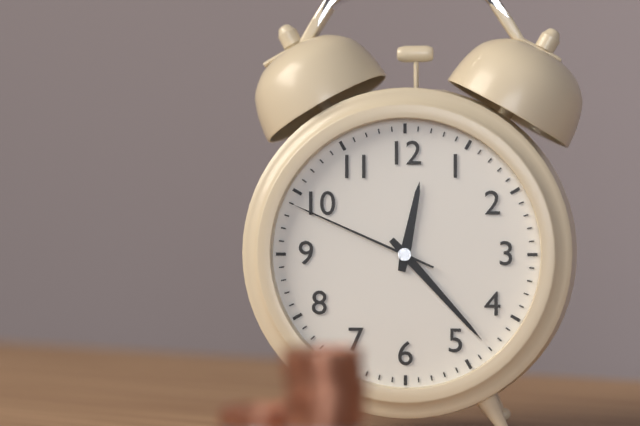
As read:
**12:23:49**
